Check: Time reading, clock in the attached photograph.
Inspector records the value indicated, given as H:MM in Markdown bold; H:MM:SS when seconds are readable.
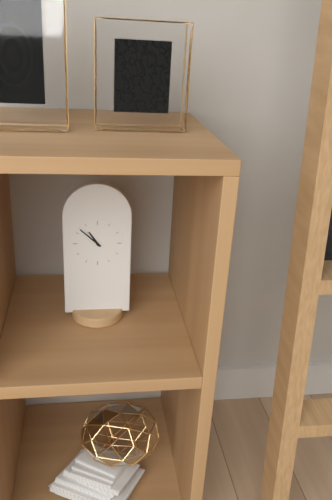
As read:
**10:52**
